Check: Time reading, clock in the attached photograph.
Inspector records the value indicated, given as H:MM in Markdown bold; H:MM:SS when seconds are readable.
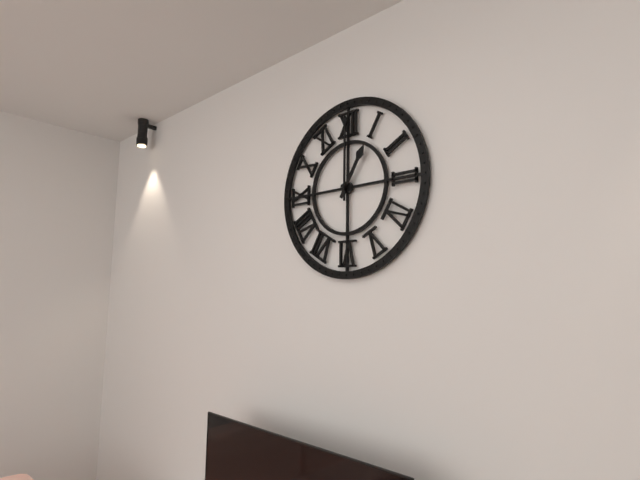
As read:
**1:00**
